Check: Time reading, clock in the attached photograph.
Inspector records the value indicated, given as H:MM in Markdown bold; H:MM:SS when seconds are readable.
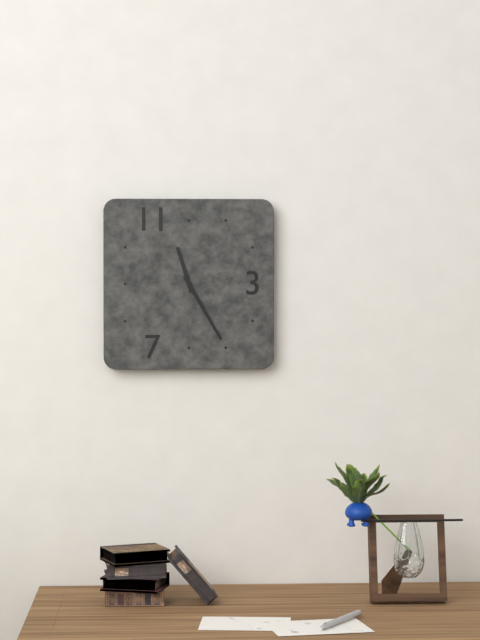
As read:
**11:25**
